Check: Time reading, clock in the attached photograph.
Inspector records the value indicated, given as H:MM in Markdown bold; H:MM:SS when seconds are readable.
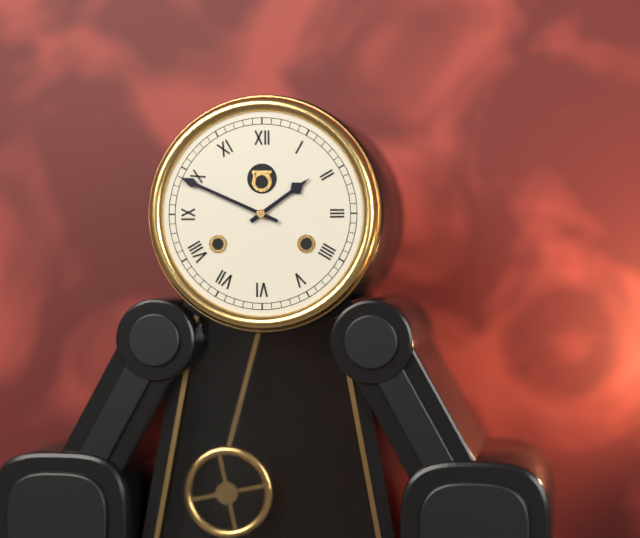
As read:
**1:49**
